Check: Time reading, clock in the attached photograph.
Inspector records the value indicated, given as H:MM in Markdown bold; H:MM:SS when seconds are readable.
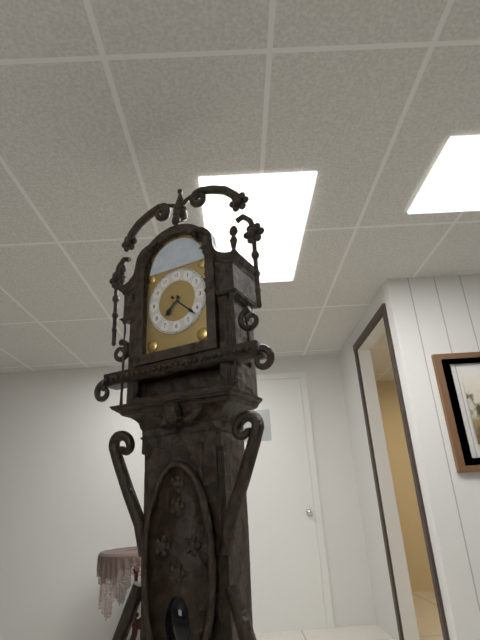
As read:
**7:22**
